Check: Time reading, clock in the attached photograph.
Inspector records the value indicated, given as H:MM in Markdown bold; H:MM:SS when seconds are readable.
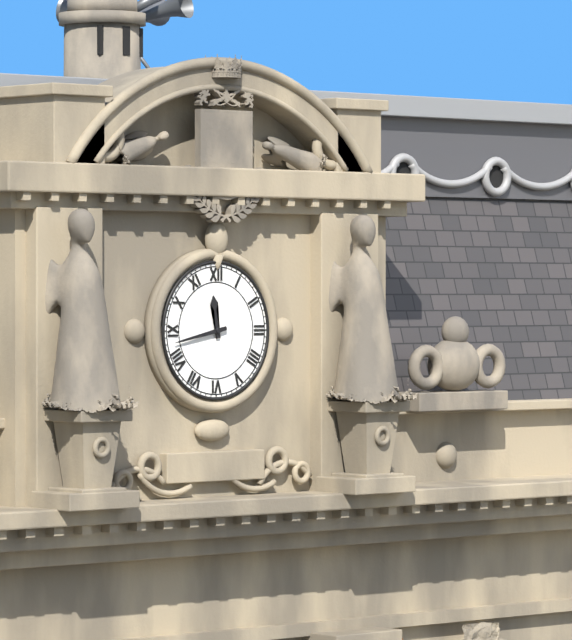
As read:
**11:43**
